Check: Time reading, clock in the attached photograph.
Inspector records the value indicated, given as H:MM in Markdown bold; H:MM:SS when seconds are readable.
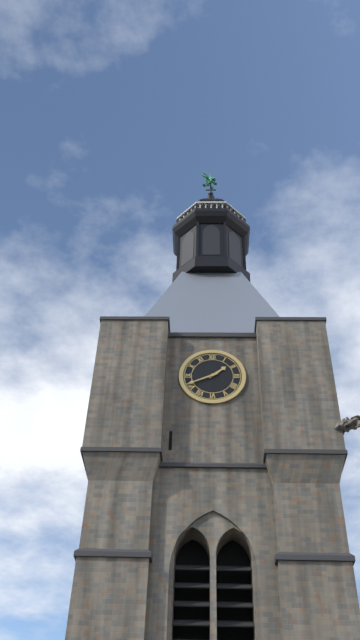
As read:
**1:41**
